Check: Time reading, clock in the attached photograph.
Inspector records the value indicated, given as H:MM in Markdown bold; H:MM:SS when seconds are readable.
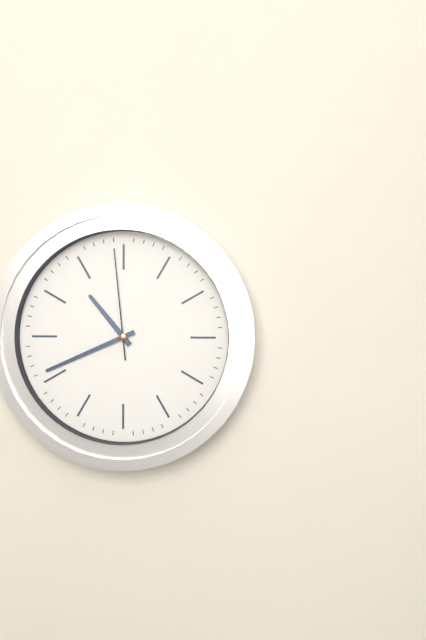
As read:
**10:41:59**
